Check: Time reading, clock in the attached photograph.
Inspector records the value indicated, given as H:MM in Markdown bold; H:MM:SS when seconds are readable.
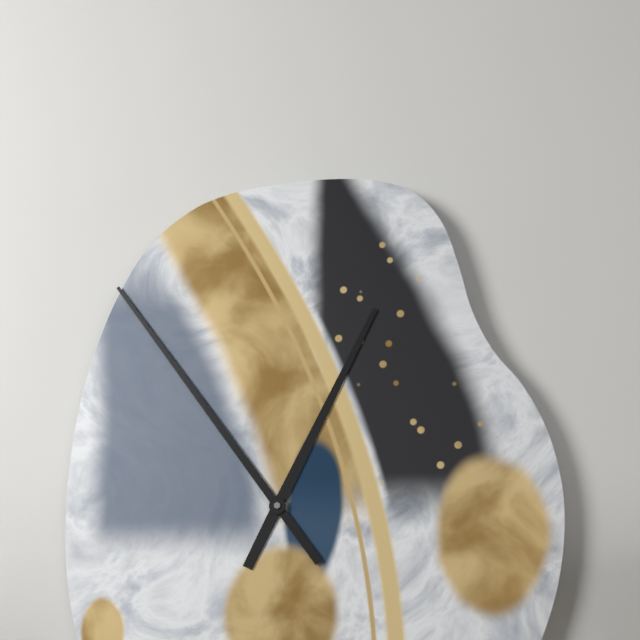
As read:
**12:54**
